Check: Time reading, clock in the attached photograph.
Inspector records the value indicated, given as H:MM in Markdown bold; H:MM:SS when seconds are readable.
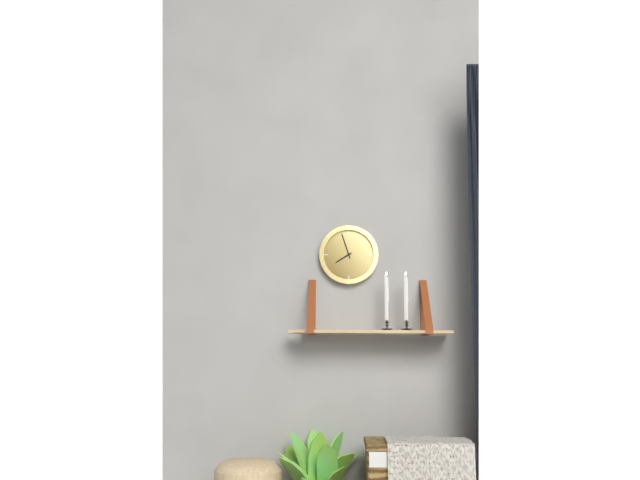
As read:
**7:57**
